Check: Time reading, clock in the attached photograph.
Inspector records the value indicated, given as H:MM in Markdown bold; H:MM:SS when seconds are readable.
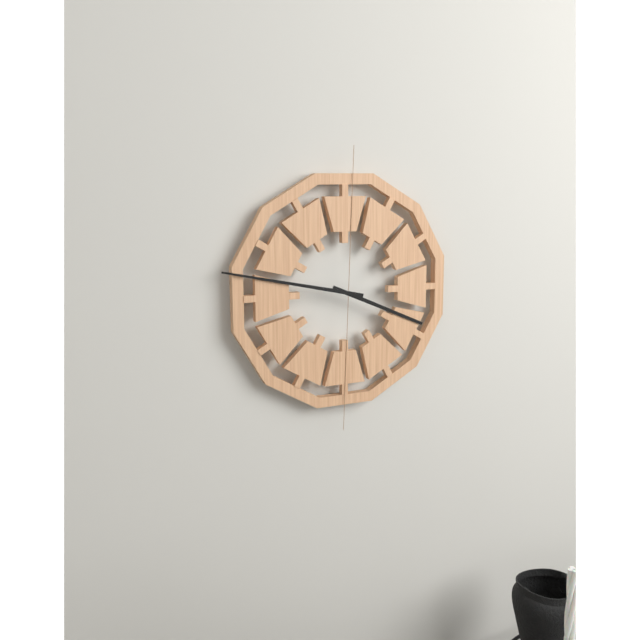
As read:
**3:47**
